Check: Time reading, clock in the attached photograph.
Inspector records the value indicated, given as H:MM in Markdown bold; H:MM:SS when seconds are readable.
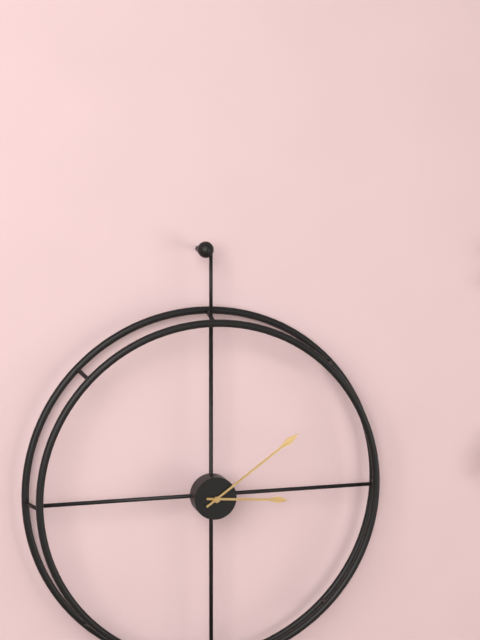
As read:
**3:09**
